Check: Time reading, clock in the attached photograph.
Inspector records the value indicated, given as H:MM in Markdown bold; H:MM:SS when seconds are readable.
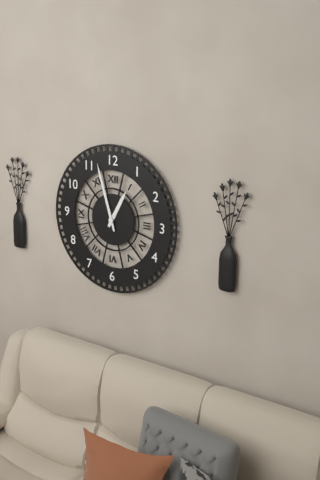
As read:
**12:57**
